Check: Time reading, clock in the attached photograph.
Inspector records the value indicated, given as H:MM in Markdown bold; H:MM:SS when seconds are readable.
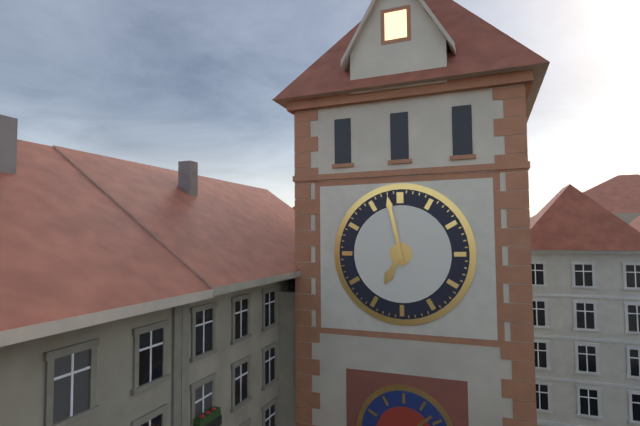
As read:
**6:58**
